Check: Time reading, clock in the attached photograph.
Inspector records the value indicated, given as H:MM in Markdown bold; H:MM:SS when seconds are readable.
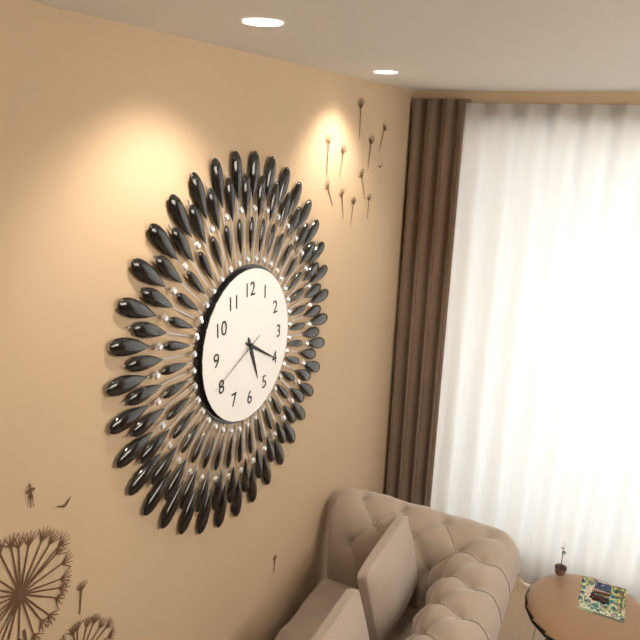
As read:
**5:20:41**
